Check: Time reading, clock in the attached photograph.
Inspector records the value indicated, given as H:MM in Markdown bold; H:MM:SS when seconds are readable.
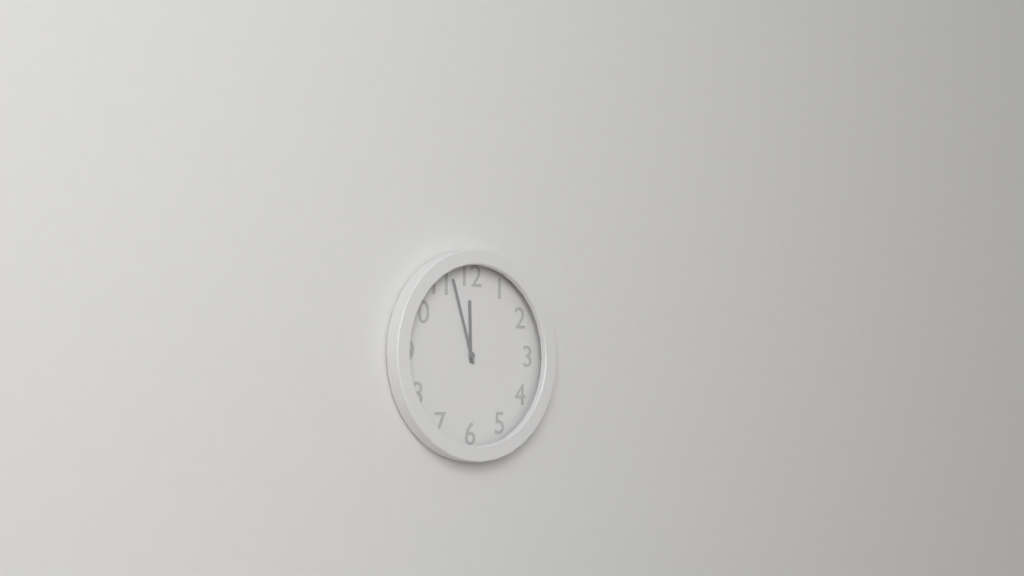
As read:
**11:57**
